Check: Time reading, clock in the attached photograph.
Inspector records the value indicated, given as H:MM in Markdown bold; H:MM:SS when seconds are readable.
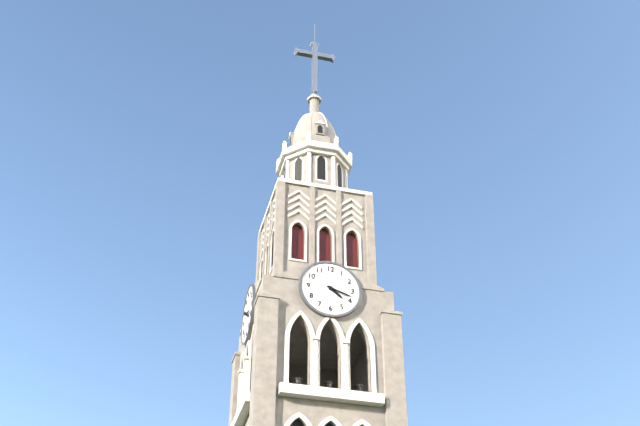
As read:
**4:18**
